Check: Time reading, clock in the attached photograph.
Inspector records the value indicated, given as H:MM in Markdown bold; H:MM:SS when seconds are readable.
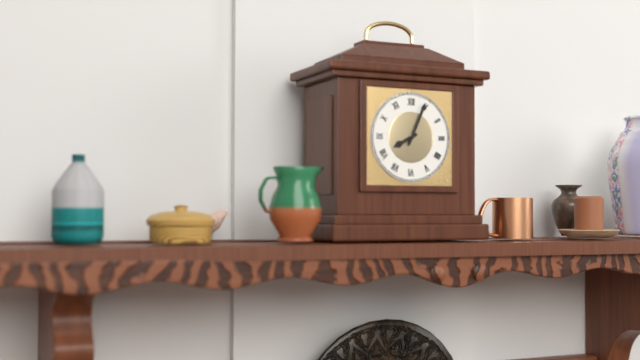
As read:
**8:04**
